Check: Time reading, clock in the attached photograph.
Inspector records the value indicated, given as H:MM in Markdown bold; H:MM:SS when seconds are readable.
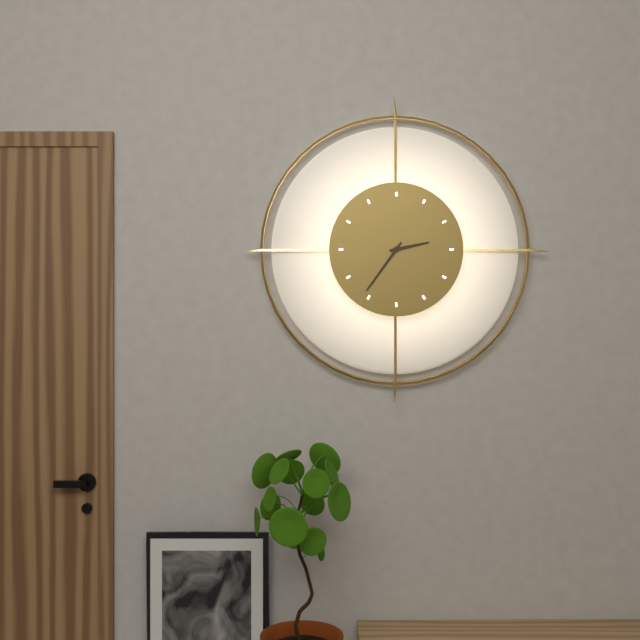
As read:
**2:36**
